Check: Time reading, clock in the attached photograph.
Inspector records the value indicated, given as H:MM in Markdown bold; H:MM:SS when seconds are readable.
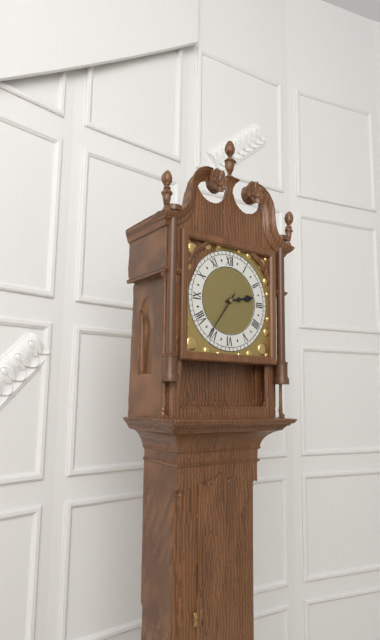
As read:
**2:36**
